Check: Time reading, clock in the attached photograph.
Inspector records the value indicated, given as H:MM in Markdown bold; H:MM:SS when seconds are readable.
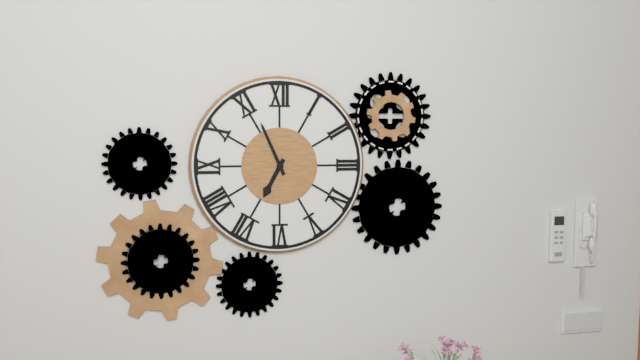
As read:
**6:56**
